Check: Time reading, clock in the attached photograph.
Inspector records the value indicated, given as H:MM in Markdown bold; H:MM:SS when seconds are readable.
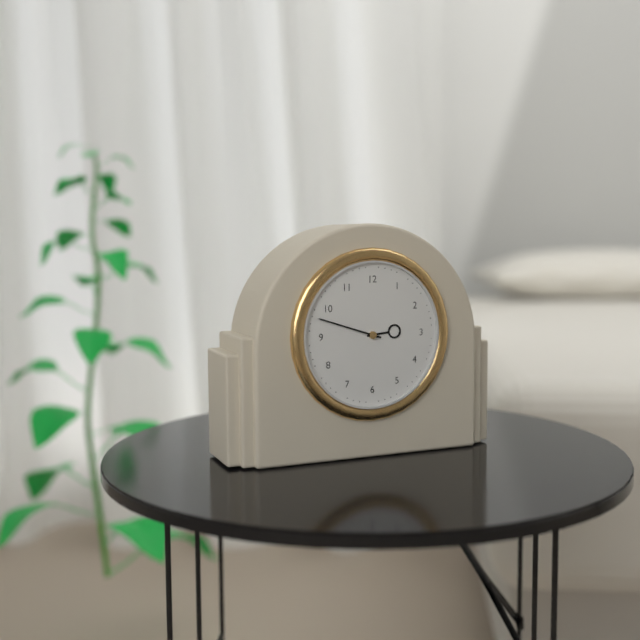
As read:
**2:48**
